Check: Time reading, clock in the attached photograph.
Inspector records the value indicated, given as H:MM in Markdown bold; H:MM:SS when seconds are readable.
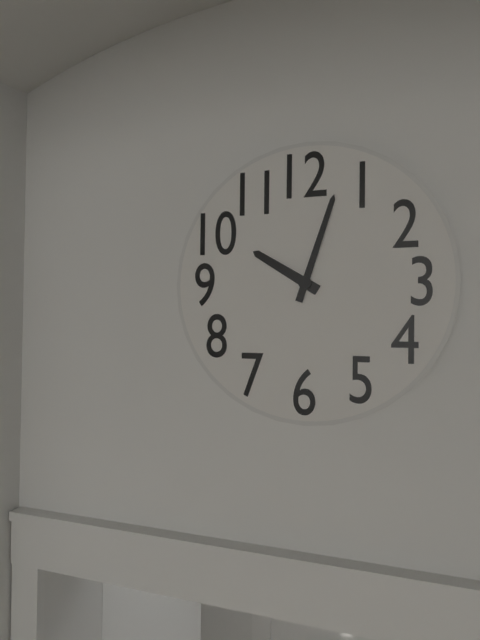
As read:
**10:03**
